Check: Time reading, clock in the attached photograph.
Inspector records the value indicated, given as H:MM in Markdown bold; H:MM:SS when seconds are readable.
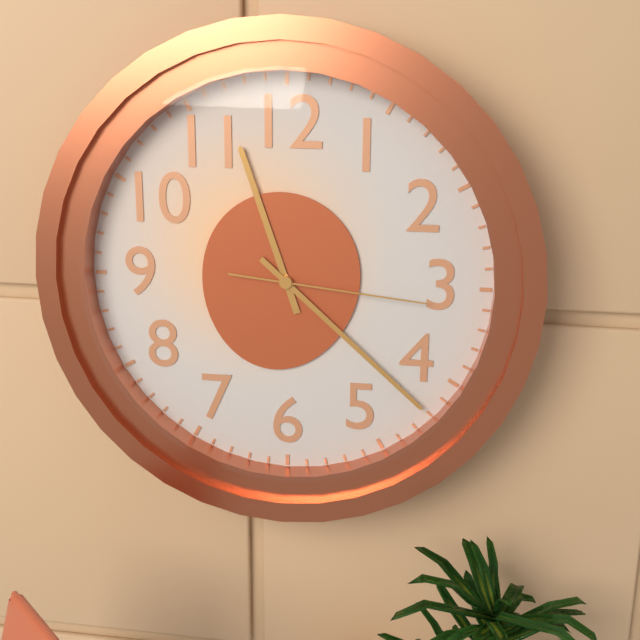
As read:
**11:22:16**
